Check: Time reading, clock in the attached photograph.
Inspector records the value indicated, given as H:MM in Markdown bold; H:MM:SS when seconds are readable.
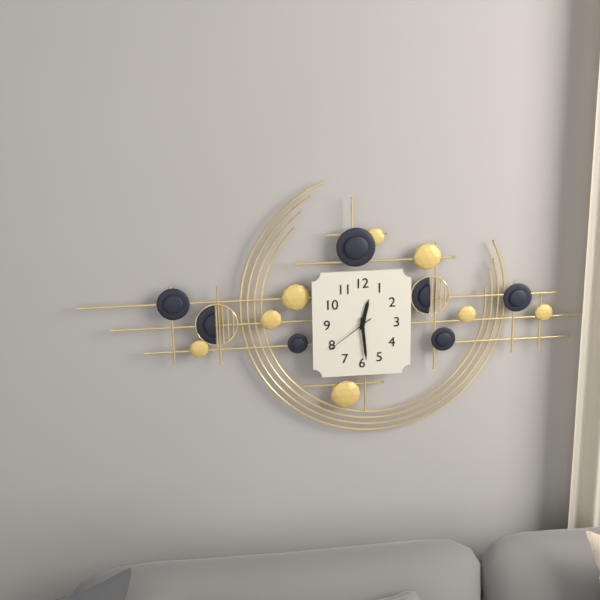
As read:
**12:29:39**
